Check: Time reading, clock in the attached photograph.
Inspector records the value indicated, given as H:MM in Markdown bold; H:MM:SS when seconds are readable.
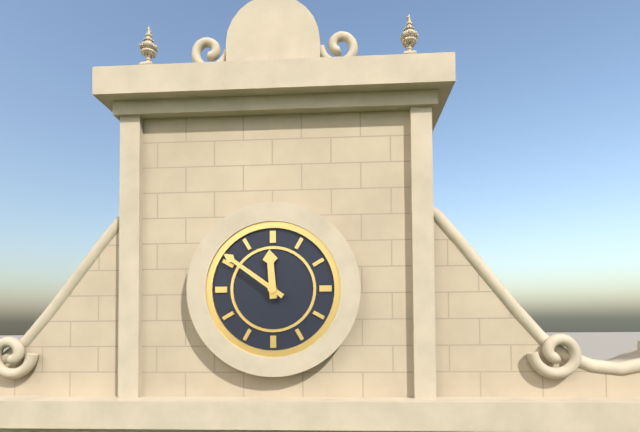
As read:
**11:51**
